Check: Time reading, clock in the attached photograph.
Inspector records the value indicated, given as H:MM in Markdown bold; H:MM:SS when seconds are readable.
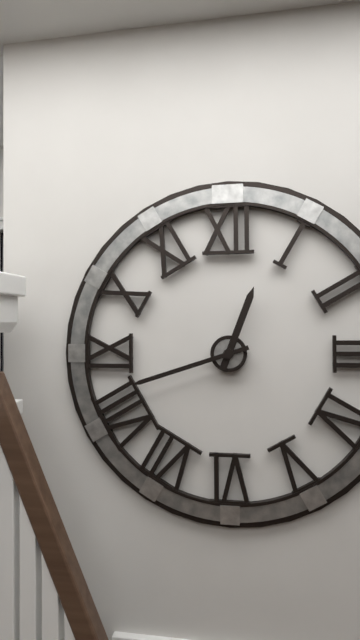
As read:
**12:42**
